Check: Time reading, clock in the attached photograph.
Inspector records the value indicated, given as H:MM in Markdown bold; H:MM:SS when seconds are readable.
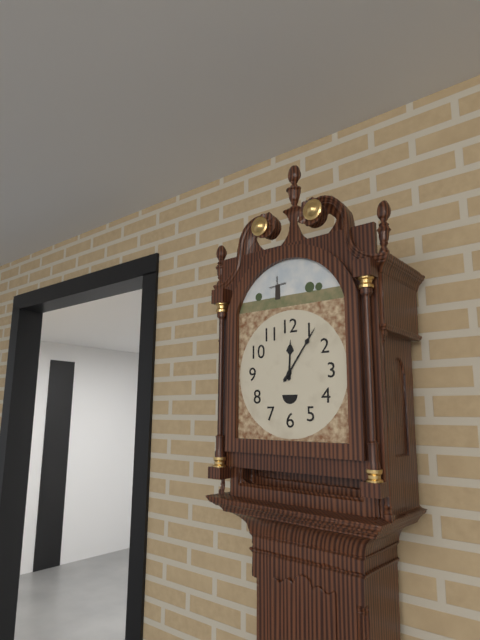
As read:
**12:06**
